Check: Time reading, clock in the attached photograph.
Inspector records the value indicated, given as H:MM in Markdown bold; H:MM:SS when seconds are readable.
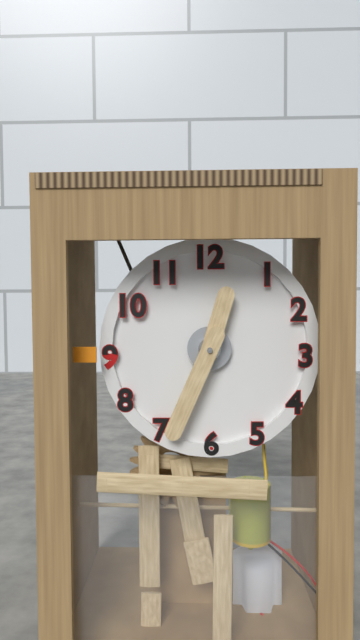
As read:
**12:34**
